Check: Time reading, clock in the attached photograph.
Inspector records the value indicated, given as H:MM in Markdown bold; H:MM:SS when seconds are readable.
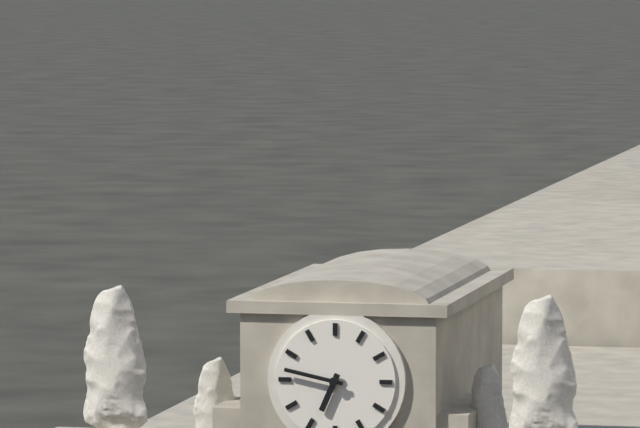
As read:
**6:47**
